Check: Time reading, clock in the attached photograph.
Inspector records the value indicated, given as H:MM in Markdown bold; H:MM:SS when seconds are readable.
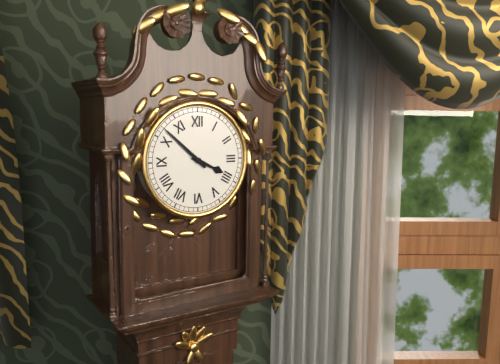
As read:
**3:52**
